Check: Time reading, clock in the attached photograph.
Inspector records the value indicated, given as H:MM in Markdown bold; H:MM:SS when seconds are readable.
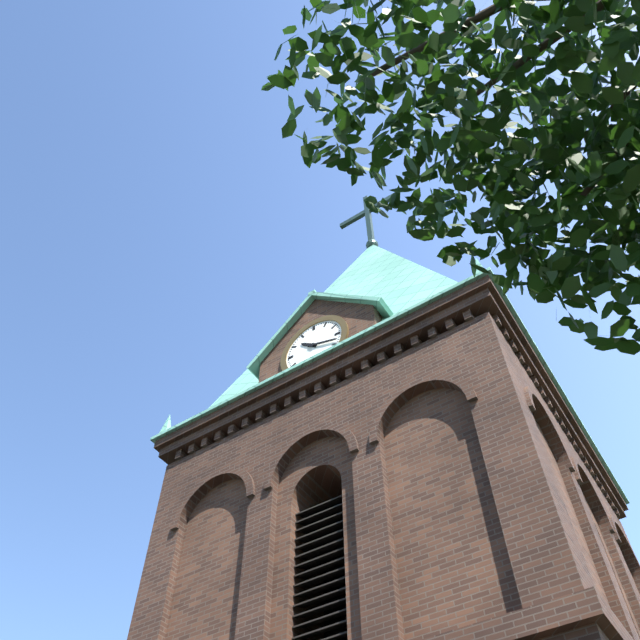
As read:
**10:18**
